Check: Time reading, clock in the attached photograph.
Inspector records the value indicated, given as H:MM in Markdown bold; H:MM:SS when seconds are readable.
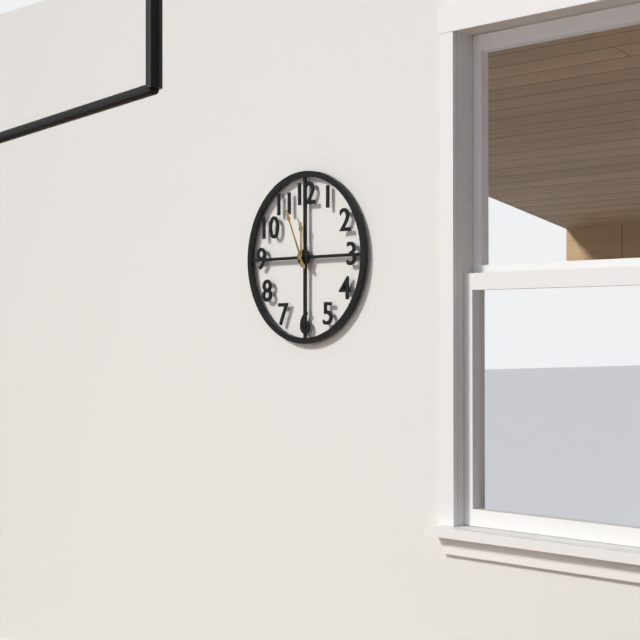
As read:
**11:56**
